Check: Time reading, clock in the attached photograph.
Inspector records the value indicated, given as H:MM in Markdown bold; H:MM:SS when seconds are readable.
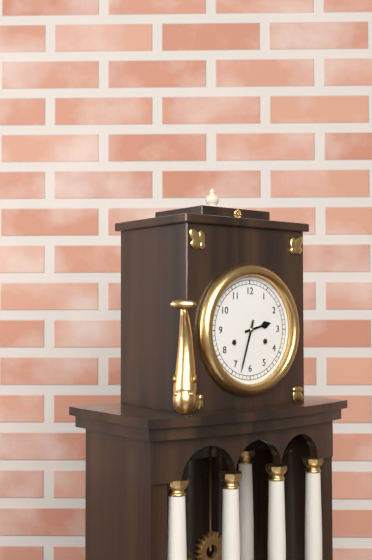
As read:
**2:33**
